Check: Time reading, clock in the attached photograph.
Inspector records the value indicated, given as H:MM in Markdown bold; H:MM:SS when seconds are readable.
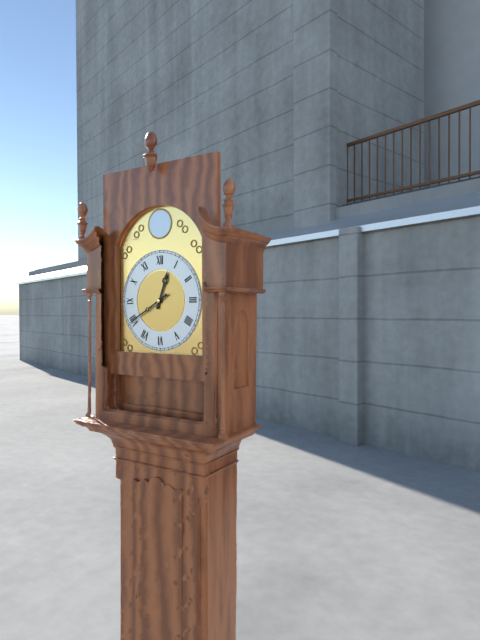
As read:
**12:40**
